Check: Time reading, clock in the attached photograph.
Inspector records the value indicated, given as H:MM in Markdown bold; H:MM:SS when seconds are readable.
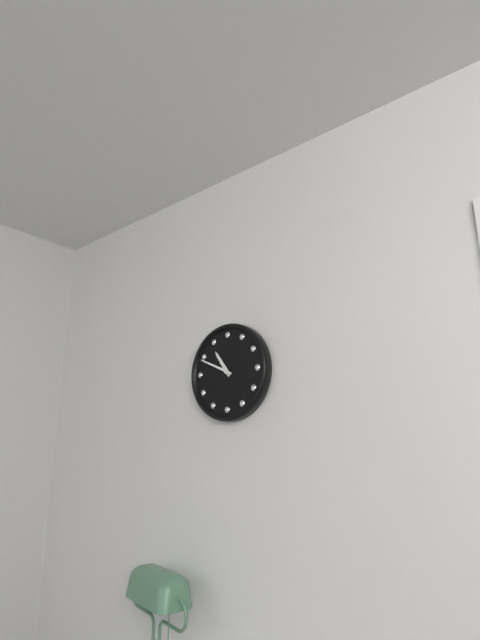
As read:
**10:49**
